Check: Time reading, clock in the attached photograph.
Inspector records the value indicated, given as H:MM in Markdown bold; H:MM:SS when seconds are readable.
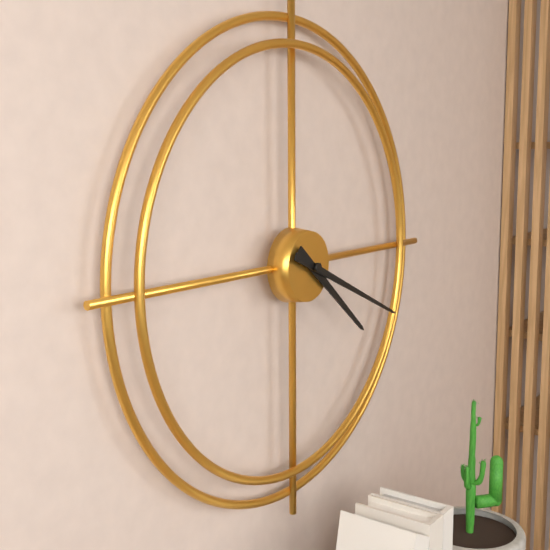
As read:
**4:19**
